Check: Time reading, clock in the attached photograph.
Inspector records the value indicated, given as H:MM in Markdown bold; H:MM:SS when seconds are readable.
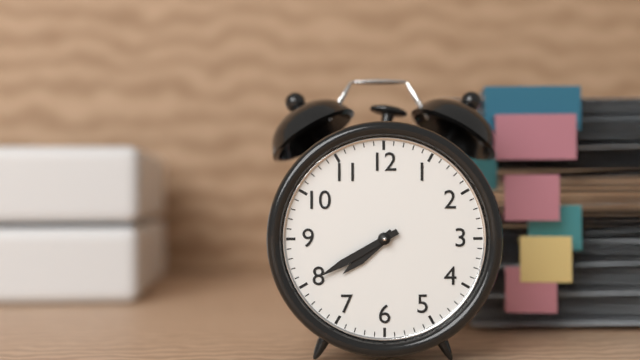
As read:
**7:40**
